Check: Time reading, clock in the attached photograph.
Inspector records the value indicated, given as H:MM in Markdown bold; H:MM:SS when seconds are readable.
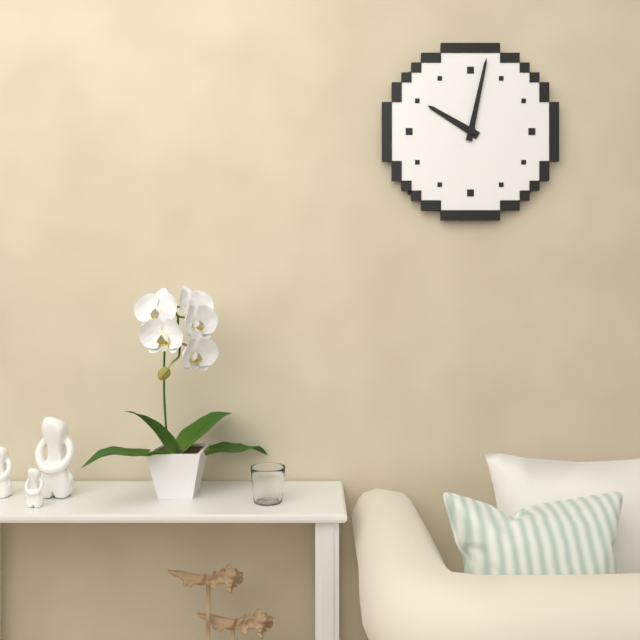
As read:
**10:02**
